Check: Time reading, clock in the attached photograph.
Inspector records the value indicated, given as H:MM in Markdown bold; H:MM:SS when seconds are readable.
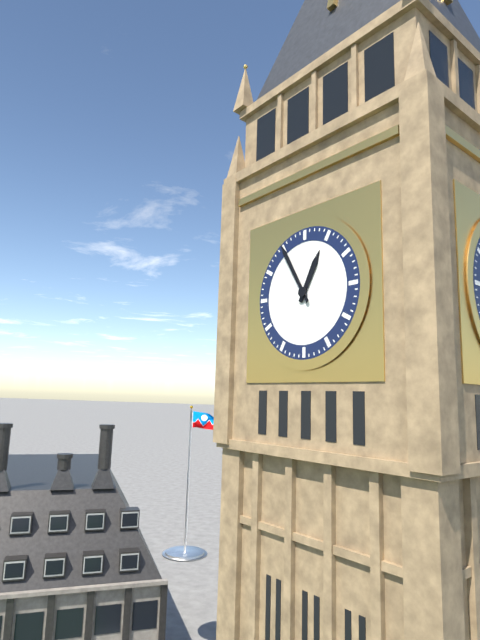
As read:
**12:55**
